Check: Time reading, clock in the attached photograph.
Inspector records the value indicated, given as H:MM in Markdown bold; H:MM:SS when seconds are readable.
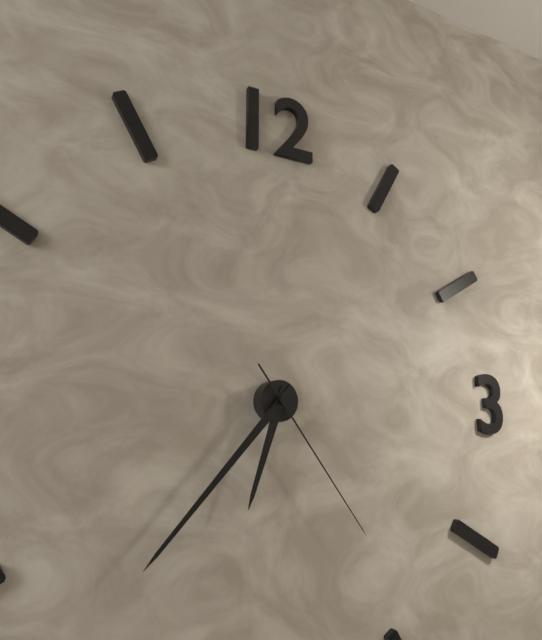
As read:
**6:37:24**
